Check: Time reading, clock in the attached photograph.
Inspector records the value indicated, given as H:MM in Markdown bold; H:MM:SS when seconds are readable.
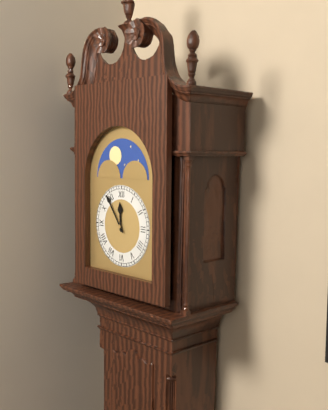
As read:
**11:54**
